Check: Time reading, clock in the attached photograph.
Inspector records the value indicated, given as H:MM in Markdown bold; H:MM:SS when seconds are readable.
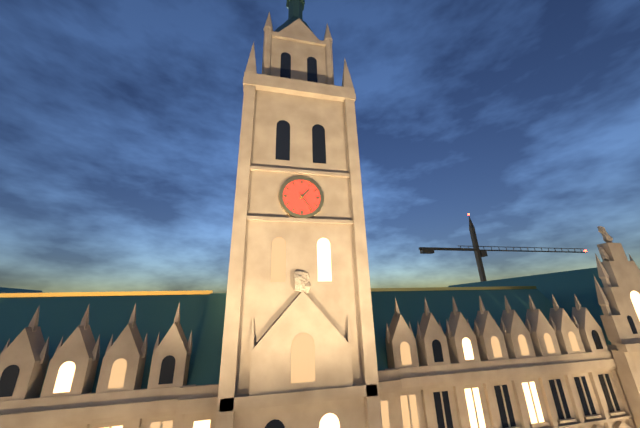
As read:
**1:24**
